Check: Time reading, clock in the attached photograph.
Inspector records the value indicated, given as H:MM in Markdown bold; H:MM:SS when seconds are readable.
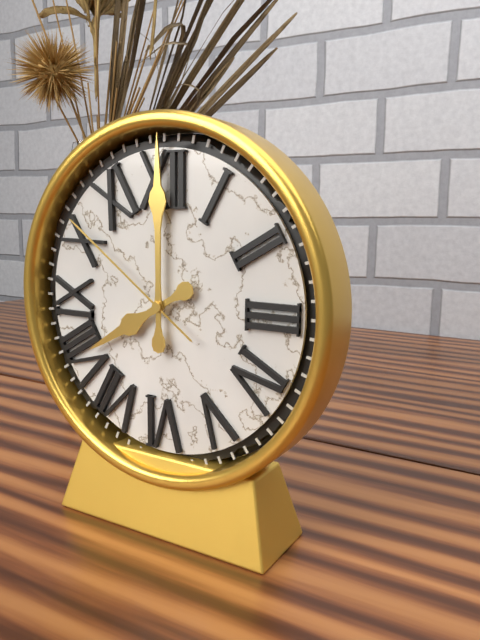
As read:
**8:00:51**
